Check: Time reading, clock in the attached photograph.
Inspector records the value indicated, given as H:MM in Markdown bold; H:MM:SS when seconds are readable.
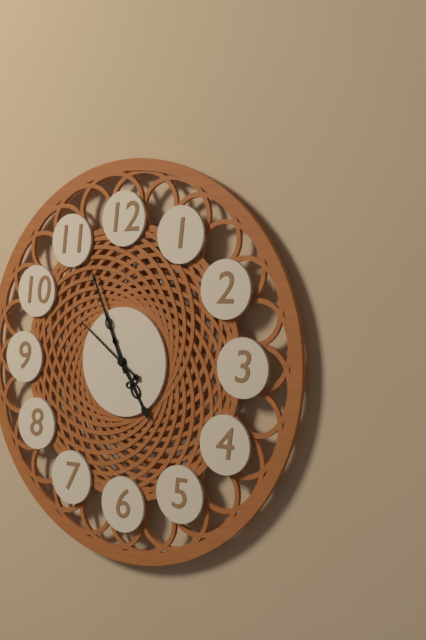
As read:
**4:56:51**
